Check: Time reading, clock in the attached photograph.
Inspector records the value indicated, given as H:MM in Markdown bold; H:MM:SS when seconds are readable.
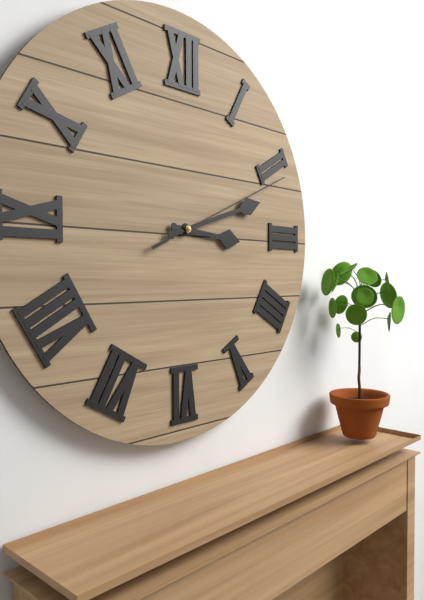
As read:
**3:12:11**
